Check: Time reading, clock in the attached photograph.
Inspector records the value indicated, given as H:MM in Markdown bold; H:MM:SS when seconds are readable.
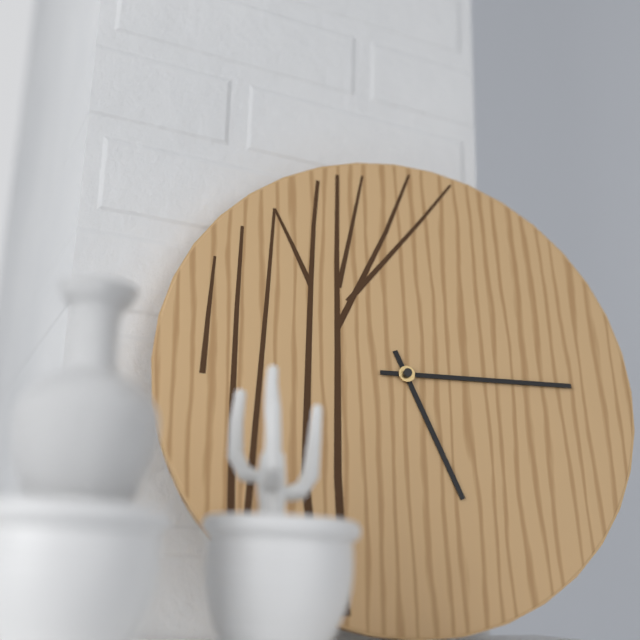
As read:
**5:15**
